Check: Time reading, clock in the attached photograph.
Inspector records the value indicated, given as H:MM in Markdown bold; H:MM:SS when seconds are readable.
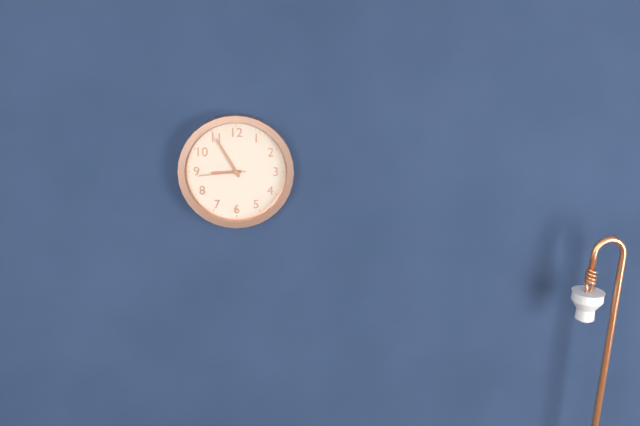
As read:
**8:55**
